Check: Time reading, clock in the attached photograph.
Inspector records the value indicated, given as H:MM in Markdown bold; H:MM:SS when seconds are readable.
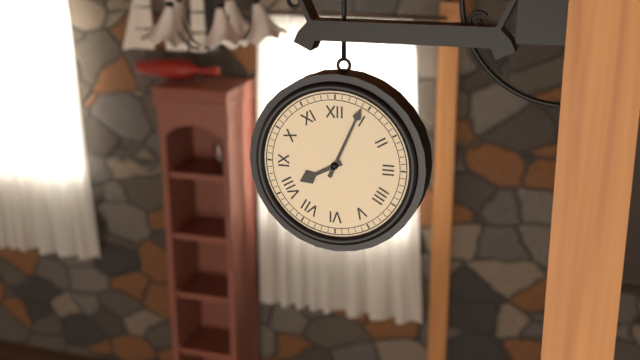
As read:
**8:04**
